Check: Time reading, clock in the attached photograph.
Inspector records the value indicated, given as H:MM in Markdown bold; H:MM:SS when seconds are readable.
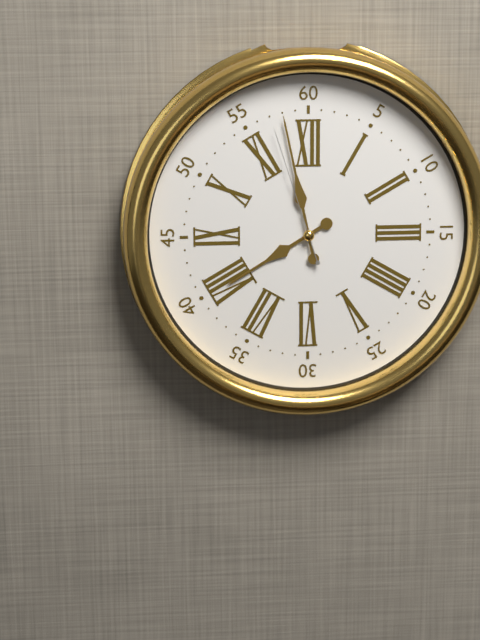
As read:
**7:58:57**
